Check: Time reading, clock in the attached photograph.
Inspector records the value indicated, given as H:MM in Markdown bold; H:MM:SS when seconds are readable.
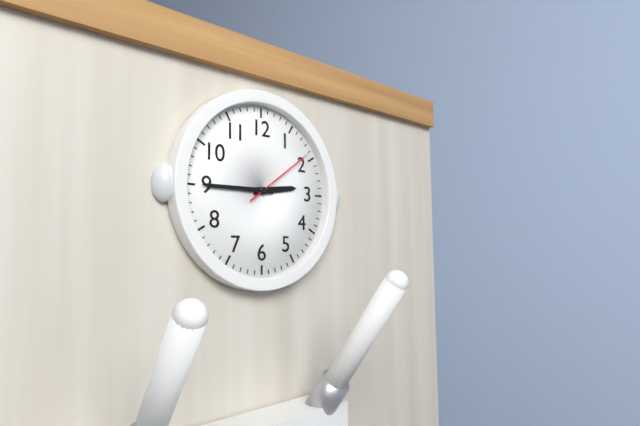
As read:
**2:45:09**
